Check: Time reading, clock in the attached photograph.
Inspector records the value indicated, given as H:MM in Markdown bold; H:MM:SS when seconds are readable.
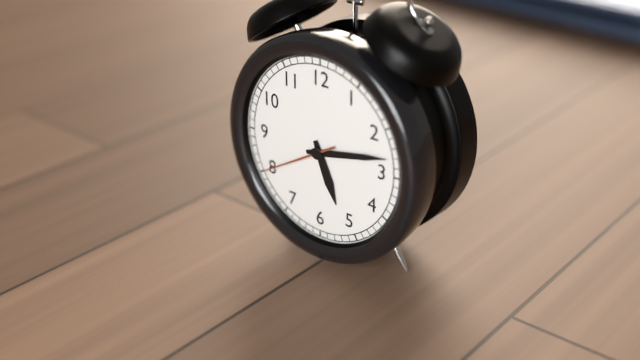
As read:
**5:13:40**
